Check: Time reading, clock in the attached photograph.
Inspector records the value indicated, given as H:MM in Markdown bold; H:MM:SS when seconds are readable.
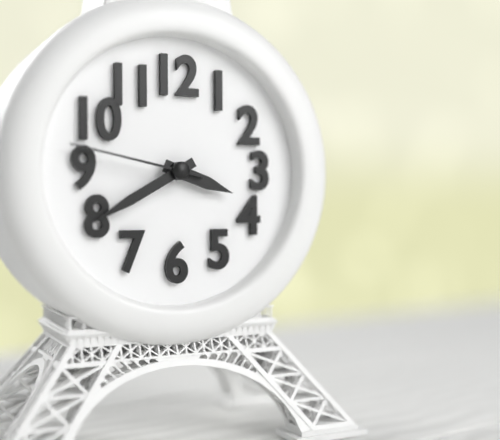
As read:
**3:40:47**
